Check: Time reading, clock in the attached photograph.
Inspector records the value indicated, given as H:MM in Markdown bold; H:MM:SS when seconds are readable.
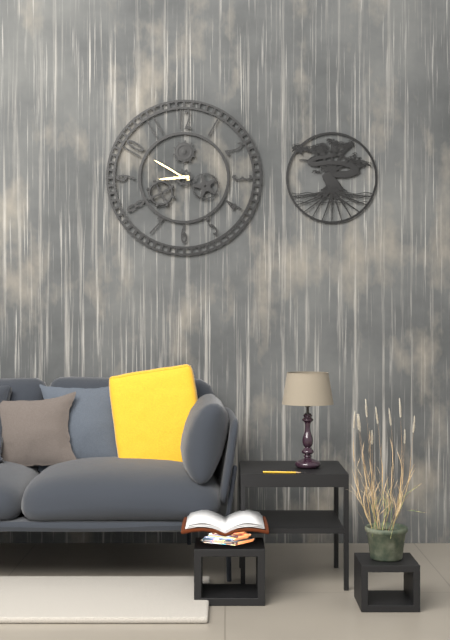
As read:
**8:50**
